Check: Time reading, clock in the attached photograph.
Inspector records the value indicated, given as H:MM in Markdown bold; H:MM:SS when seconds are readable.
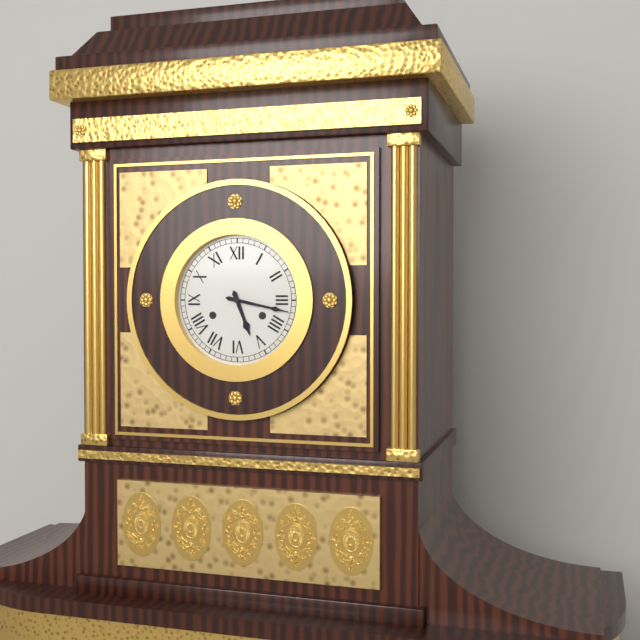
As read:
**5:17**
